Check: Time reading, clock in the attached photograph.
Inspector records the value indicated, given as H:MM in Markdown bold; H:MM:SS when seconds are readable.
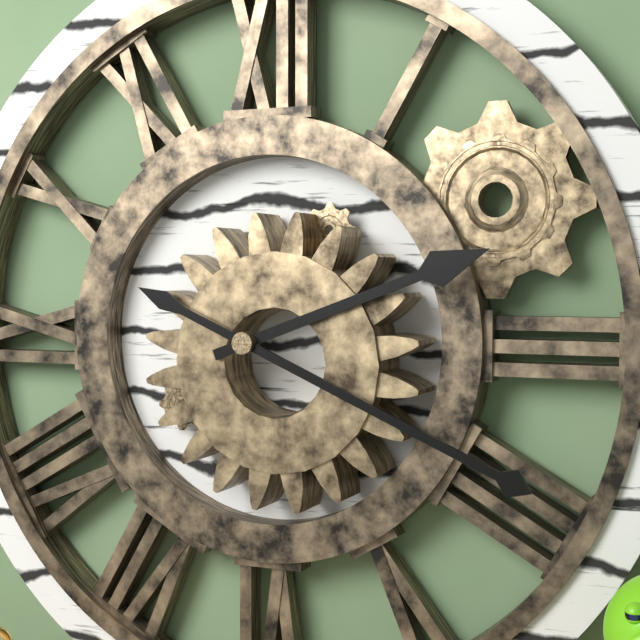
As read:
**2:19**
